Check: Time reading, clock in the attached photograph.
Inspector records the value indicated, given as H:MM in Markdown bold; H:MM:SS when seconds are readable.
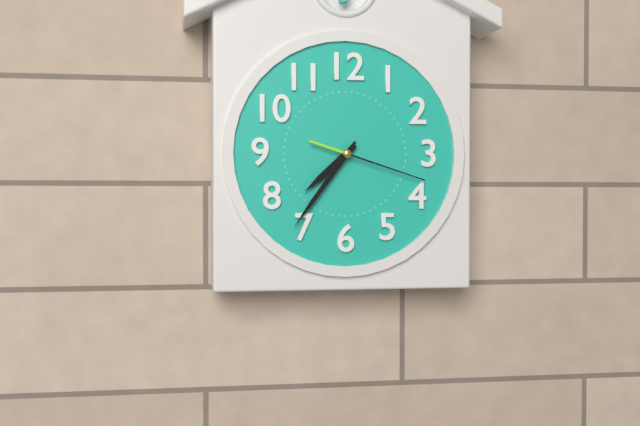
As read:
**7:36:18**
